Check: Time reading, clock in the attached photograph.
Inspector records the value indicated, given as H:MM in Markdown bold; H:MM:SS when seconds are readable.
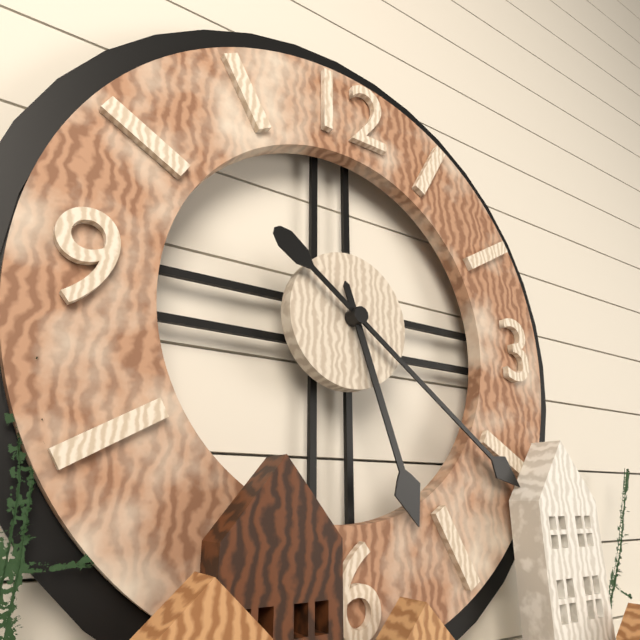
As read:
**5:21**
